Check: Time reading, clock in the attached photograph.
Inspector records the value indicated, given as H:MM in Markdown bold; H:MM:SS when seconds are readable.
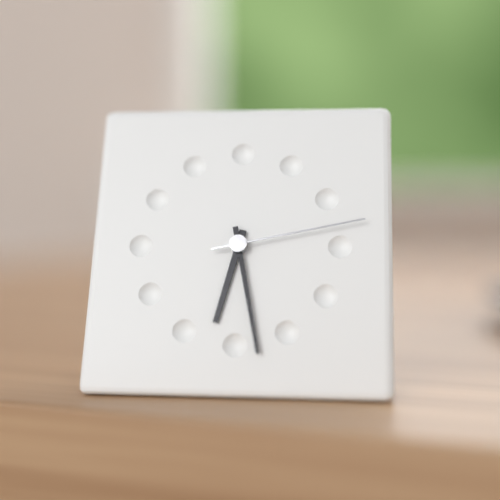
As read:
**6:28:13**
